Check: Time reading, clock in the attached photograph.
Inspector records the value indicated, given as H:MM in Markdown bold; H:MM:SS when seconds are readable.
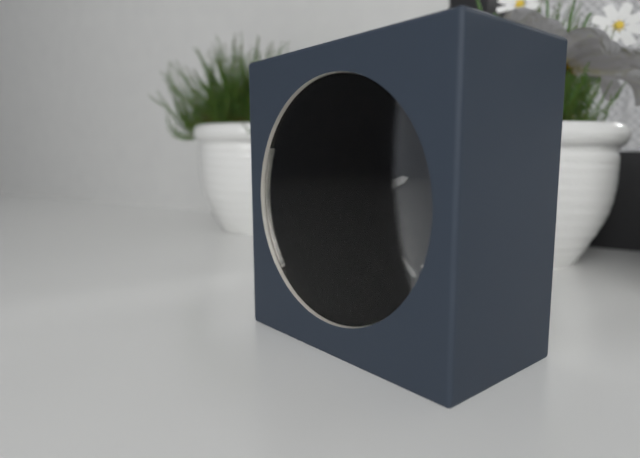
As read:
**2:21:58**
